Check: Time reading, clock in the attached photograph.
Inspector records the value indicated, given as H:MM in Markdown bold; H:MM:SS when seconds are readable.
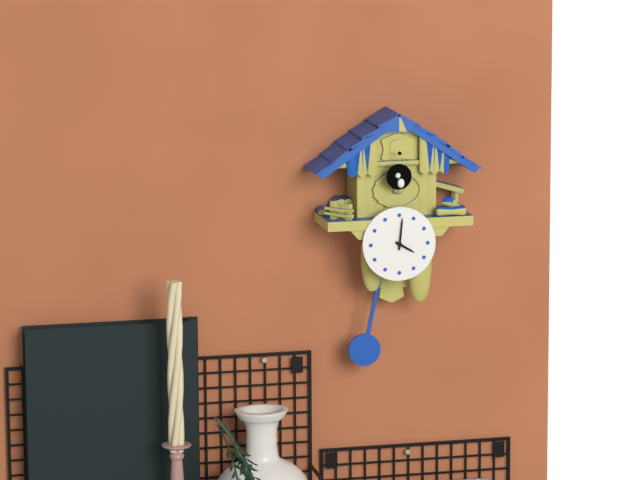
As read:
**4:01**
